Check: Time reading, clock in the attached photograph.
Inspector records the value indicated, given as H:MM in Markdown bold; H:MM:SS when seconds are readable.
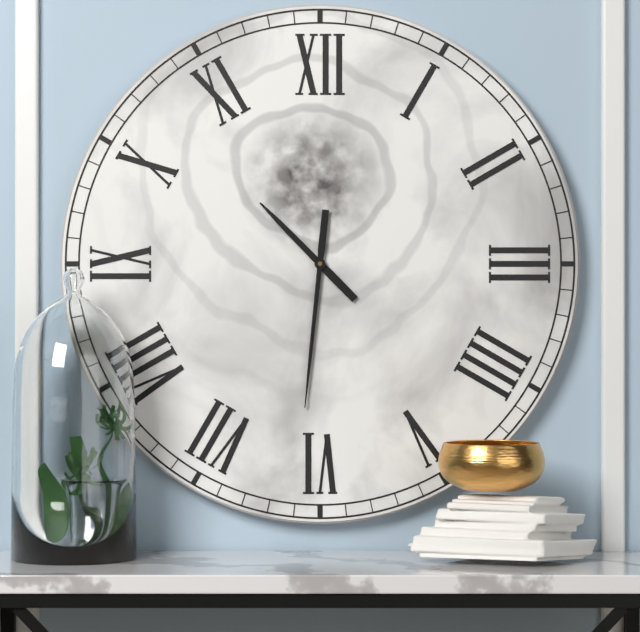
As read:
**10:31**
